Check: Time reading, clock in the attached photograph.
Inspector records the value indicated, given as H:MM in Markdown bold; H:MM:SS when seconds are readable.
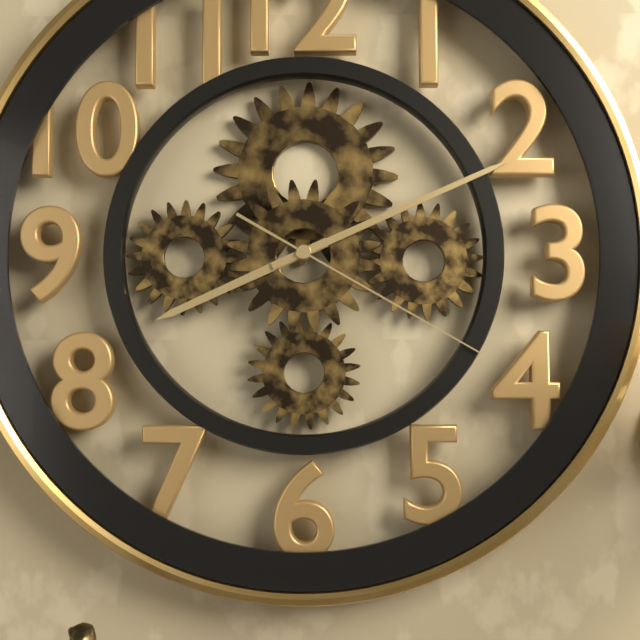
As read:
**8:11:20**
